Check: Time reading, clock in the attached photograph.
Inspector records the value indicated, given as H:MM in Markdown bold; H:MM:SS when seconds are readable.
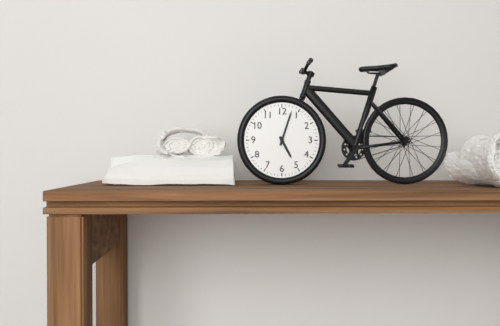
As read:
**5:03**
